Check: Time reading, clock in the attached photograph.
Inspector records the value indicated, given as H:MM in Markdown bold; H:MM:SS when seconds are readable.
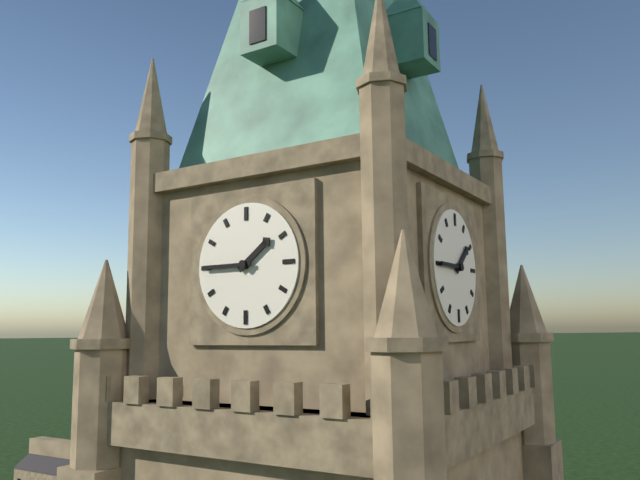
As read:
**1:45**
